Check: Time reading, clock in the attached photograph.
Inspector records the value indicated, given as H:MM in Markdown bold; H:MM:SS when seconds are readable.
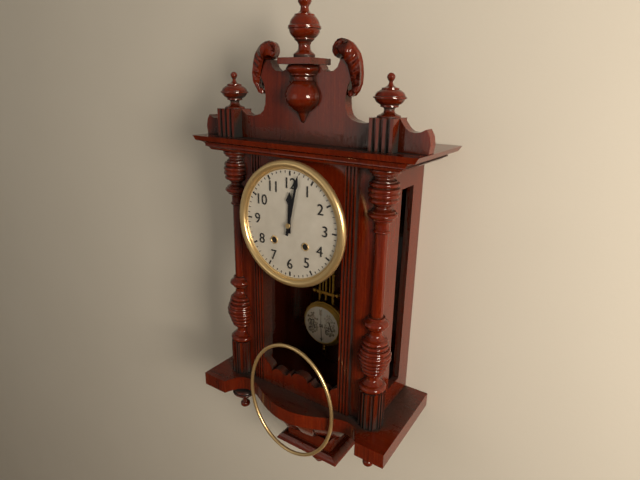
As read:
**12:02**
